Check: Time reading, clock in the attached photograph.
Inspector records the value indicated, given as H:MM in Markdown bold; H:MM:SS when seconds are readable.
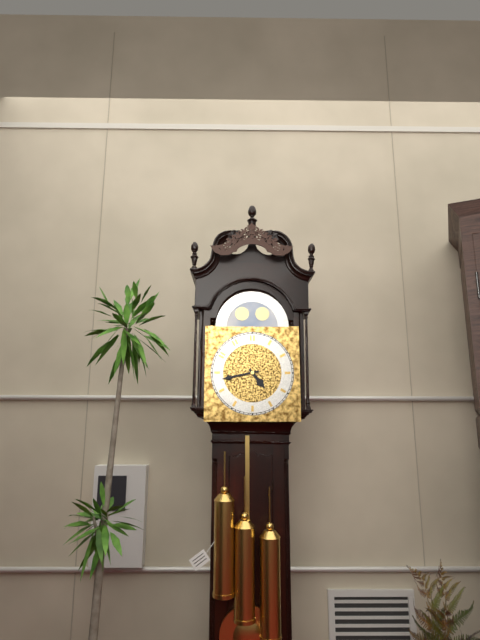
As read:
**4:43**
